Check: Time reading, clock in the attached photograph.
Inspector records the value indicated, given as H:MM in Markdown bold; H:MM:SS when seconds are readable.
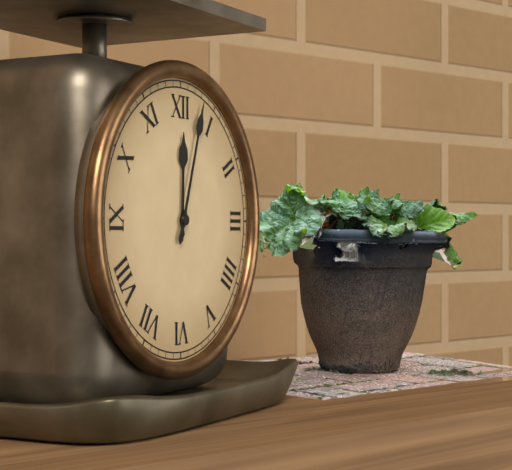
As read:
**12:03**
